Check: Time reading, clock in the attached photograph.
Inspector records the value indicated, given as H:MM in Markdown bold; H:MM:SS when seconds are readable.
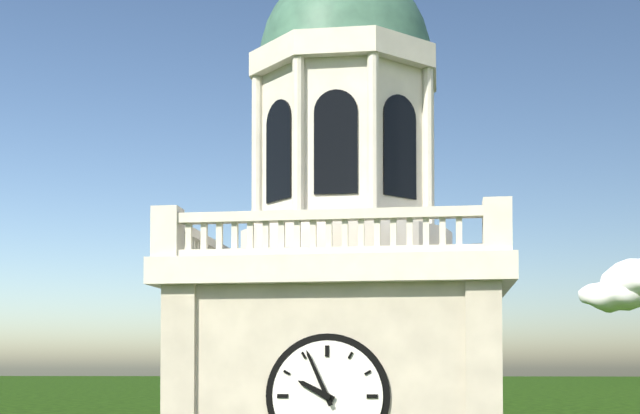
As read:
**9:56**
